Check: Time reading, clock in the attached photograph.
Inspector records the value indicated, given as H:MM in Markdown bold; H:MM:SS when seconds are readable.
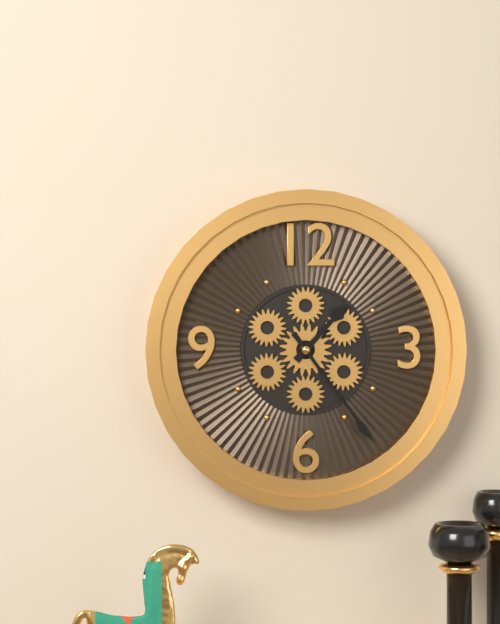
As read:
**1:24**
